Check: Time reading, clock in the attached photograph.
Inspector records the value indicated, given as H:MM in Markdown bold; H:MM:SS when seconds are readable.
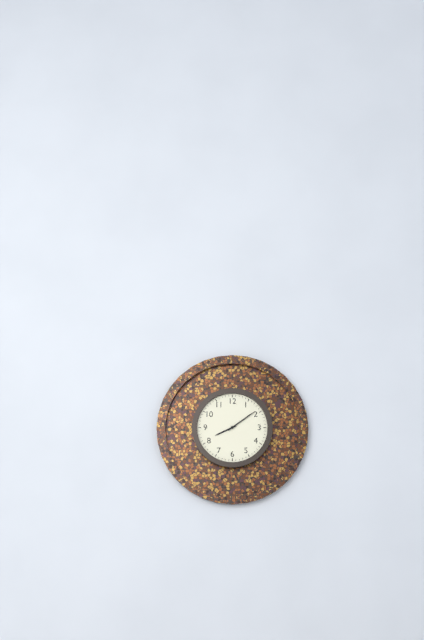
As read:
**8:09**
